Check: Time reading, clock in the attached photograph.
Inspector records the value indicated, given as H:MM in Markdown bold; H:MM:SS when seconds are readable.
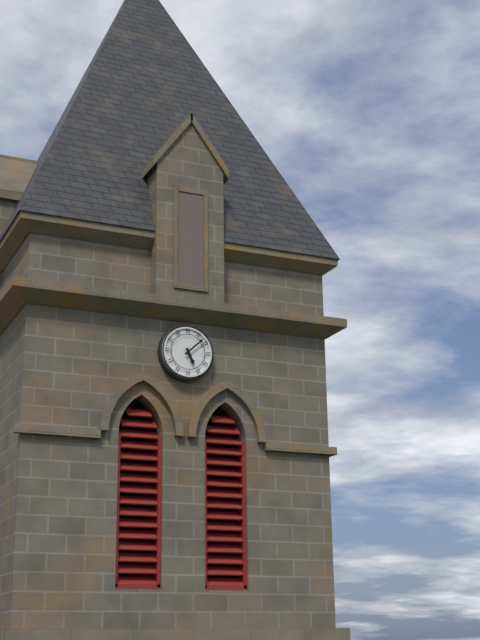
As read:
**5:08**
